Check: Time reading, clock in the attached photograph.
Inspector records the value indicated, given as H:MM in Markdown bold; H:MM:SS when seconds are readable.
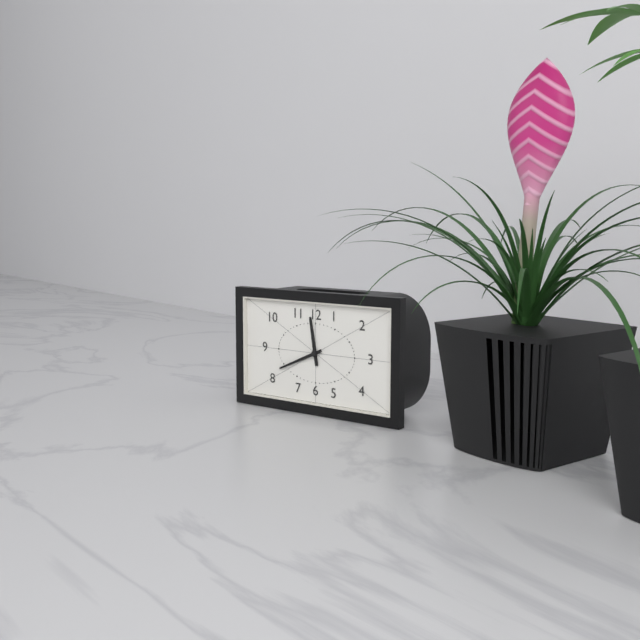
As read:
**11:41**
